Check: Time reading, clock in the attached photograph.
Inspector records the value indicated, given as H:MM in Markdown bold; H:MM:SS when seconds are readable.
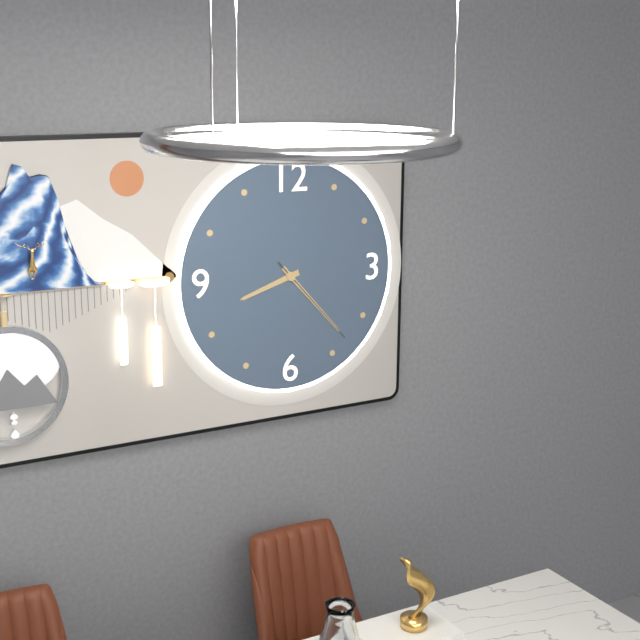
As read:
**8:23:23**
